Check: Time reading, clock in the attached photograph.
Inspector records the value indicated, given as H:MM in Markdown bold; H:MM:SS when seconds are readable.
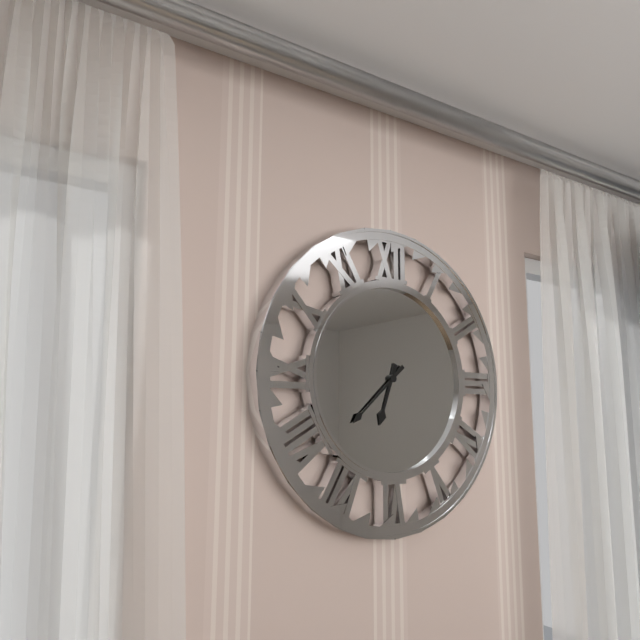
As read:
**6:38**
